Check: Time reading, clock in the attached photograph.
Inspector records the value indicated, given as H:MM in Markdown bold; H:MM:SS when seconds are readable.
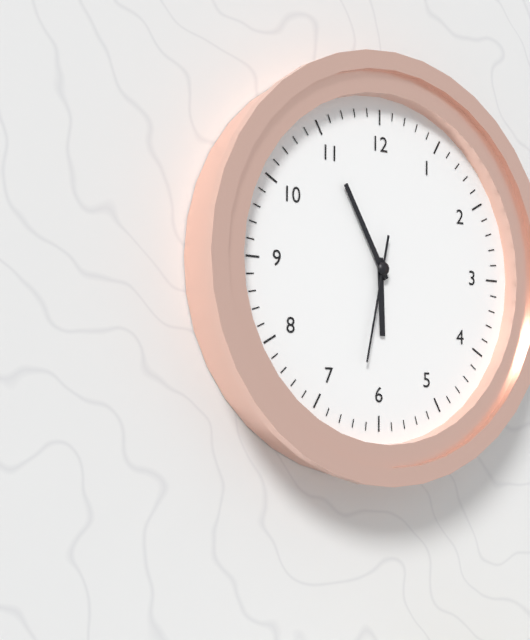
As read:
**5:55:32**
